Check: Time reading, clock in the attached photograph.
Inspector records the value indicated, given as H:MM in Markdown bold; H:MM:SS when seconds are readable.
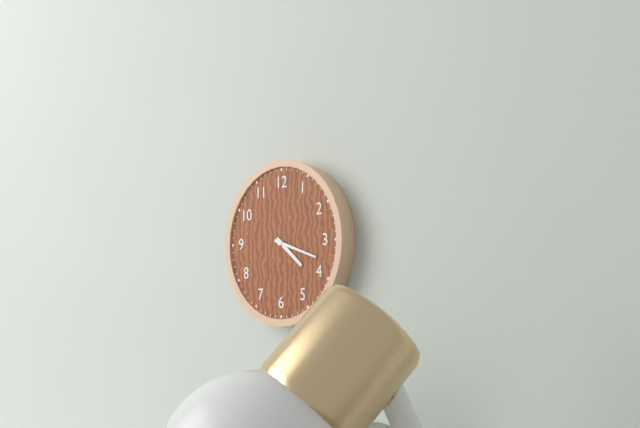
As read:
**4:18**
